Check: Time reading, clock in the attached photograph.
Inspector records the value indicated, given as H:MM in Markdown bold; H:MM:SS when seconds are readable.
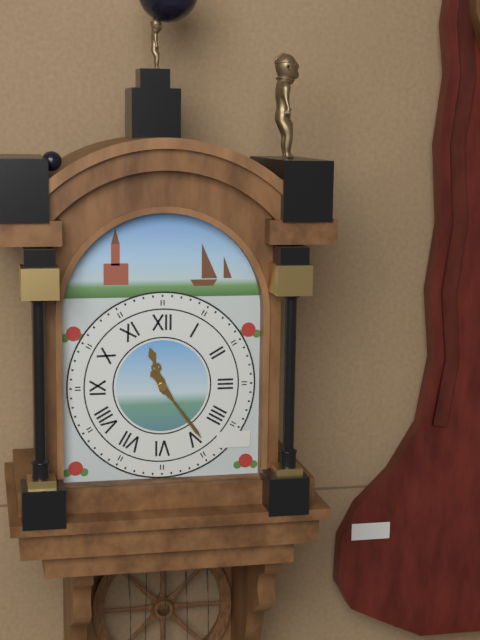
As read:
**11:24**
